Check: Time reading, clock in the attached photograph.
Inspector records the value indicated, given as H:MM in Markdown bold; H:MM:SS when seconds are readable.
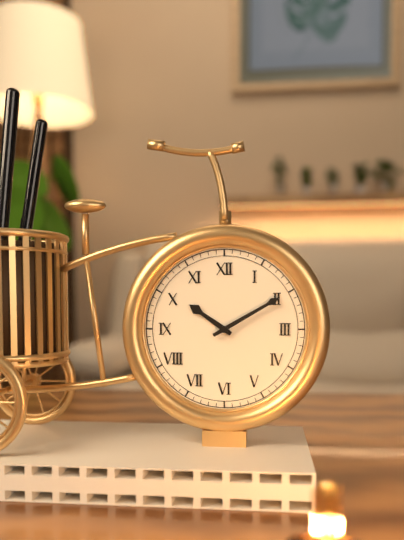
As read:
**10:10**
